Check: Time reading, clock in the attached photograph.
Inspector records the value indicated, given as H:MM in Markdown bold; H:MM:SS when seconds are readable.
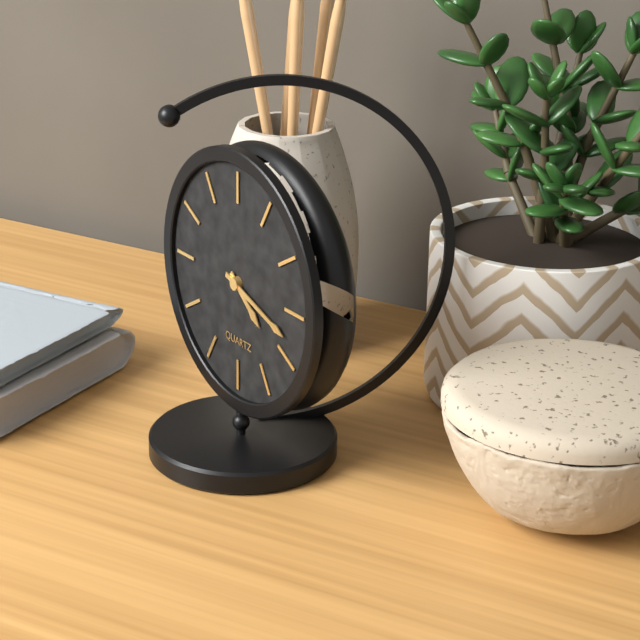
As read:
**4:18**
